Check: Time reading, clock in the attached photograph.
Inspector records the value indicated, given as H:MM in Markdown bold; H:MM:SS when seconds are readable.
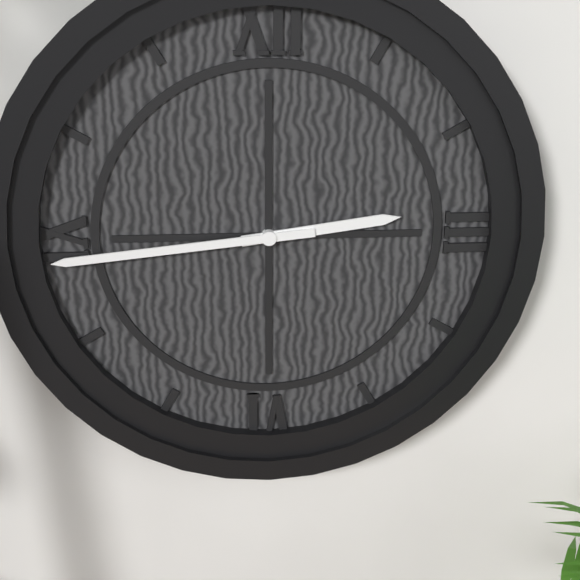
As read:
**2:44**
